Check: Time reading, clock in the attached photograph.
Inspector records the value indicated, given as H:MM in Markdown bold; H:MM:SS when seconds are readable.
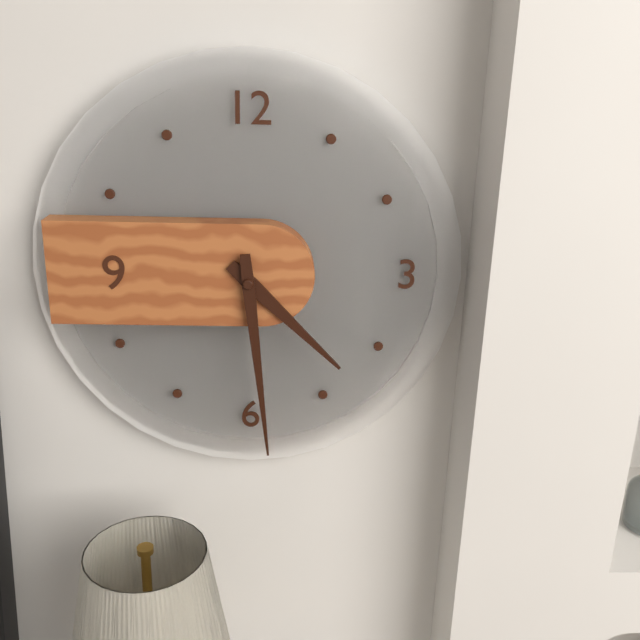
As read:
**4:29**
